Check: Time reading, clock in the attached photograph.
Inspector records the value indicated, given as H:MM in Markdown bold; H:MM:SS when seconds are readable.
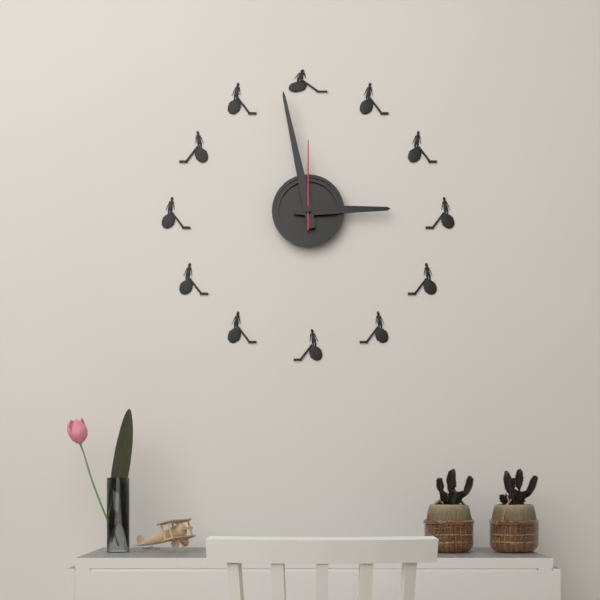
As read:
**2:58:00**
